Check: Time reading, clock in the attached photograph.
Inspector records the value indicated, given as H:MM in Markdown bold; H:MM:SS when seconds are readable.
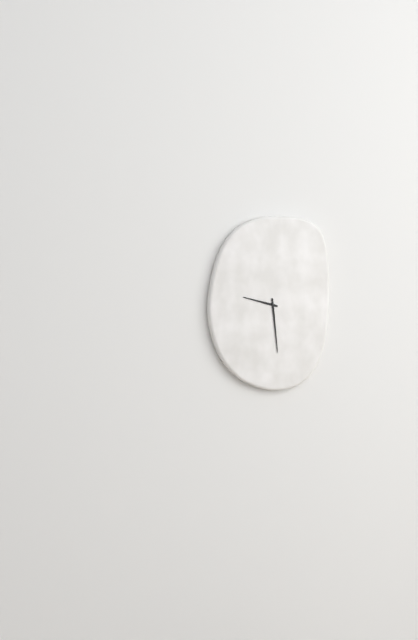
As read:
**9:29**
